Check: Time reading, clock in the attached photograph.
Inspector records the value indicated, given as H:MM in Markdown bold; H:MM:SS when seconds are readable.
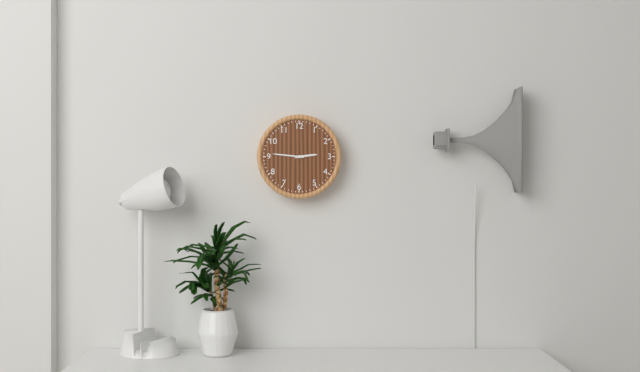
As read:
**2:46**
